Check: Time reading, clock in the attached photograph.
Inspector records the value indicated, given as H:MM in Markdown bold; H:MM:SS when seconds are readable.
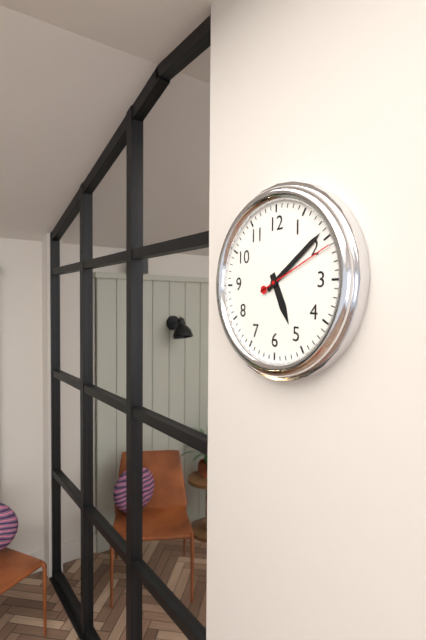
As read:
**5:09:11**
